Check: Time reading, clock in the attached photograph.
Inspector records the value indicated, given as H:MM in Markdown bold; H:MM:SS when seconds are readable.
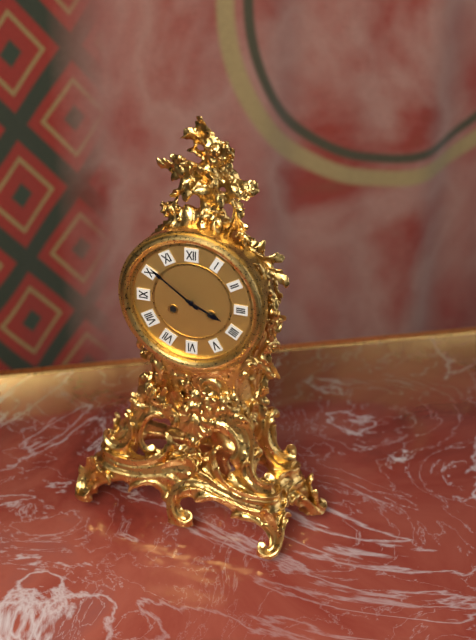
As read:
**3:51**
